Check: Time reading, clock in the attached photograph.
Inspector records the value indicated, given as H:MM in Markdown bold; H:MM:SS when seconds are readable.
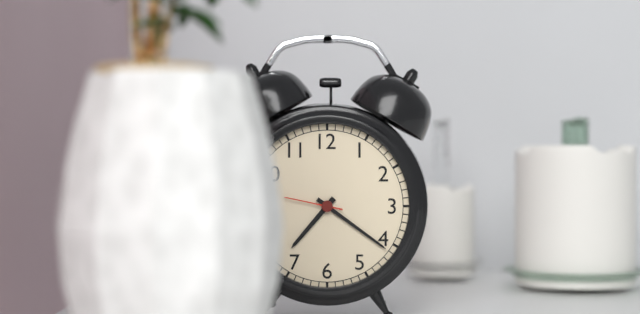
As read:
**7:21:47**
